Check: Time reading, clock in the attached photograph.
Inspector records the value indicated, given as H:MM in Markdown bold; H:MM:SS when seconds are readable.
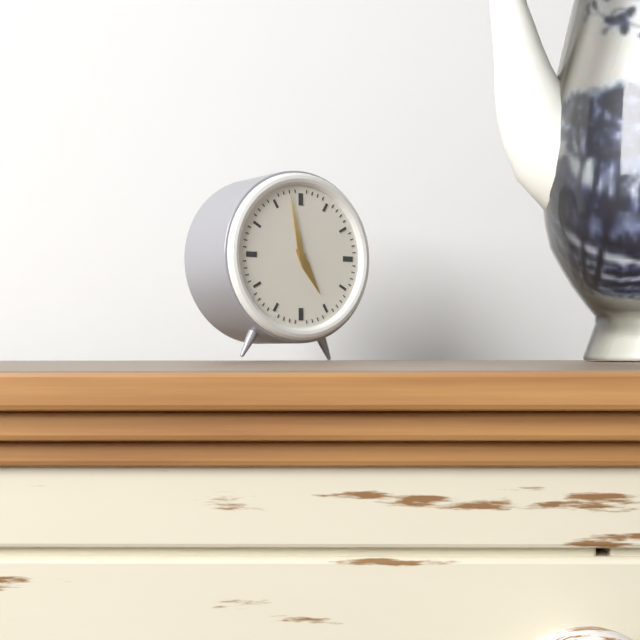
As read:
**4:58**
